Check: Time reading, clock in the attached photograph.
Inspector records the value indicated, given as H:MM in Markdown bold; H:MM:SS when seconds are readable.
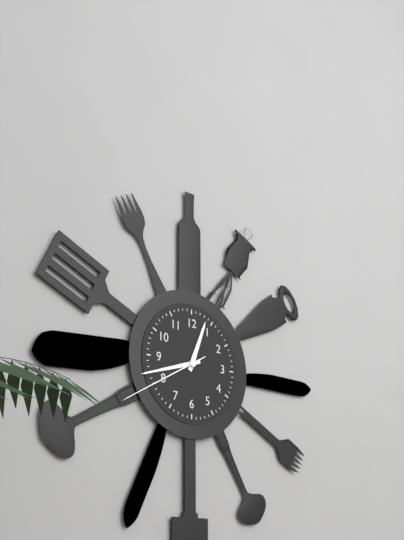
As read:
**12:42:40**
